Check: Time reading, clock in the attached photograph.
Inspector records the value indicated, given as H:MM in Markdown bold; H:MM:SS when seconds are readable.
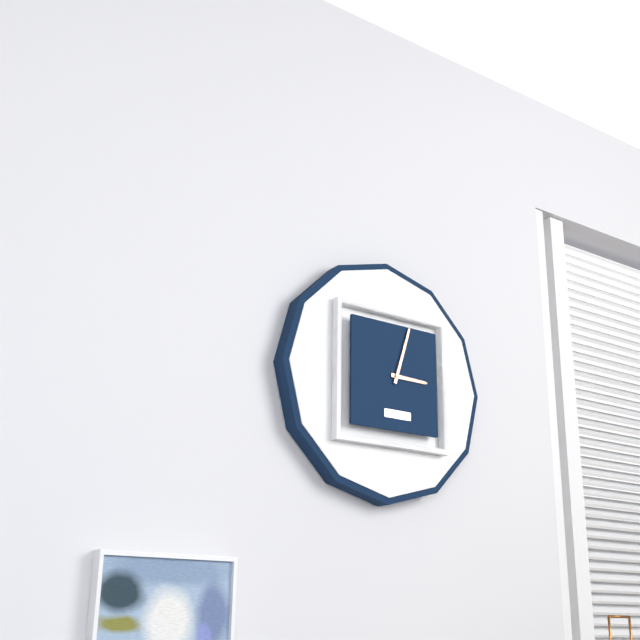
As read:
**3:03**
